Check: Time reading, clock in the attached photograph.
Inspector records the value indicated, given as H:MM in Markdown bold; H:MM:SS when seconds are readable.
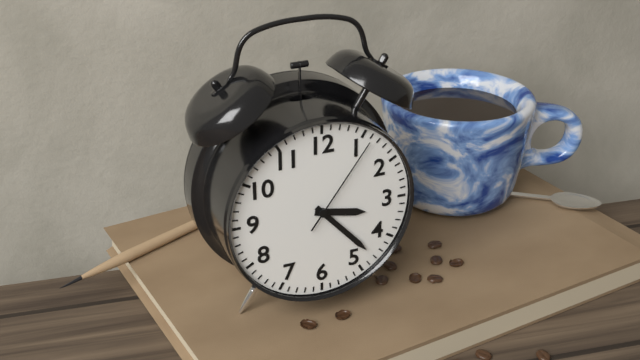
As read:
**3:23:06**
